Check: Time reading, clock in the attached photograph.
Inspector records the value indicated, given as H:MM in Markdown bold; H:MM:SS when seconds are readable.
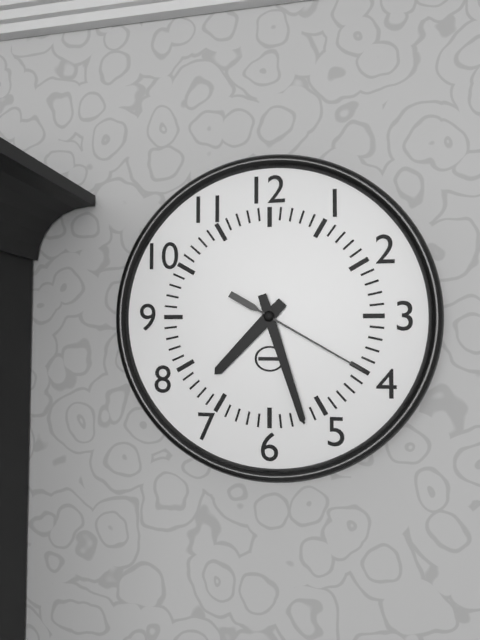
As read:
**7:27:20**
